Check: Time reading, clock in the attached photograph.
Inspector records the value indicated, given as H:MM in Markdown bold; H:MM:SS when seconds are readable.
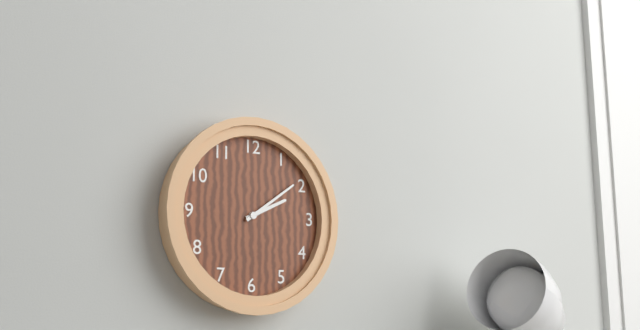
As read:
**2:09**
